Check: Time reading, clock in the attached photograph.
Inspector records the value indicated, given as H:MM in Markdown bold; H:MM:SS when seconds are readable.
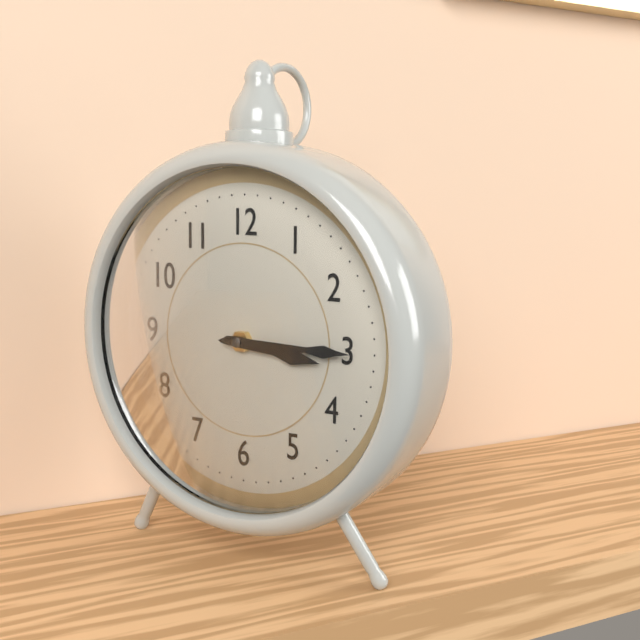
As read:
**3:15**
